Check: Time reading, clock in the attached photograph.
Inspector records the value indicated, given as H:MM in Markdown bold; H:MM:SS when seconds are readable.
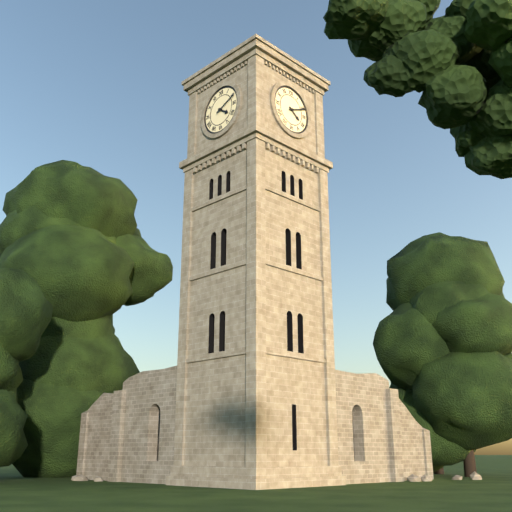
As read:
**4:11**
